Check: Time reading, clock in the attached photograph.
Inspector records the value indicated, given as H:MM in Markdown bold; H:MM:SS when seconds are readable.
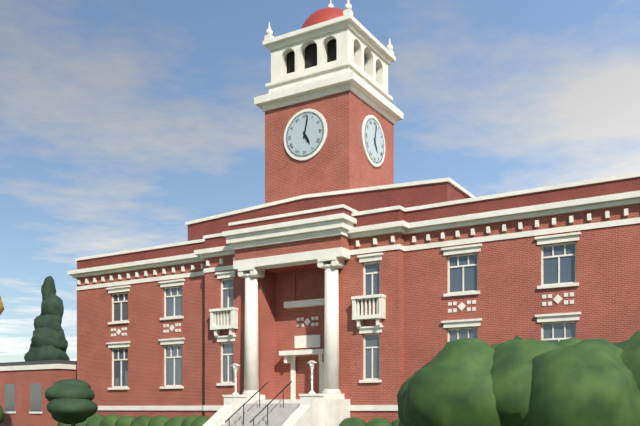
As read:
**5:02**
